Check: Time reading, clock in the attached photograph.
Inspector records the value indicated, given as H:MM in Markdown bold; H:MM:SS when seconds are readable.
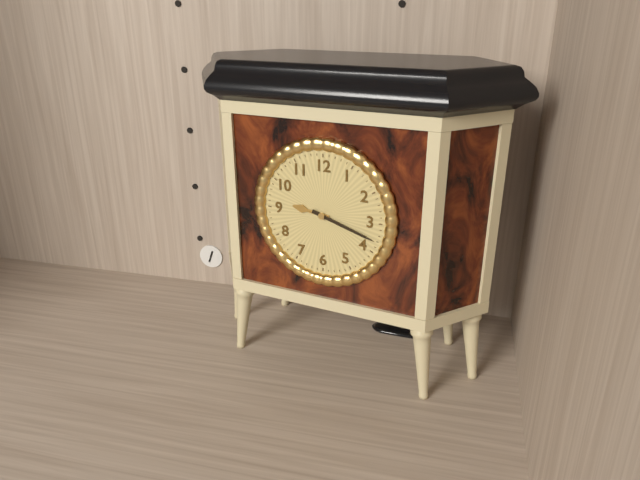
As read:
**9:18**
